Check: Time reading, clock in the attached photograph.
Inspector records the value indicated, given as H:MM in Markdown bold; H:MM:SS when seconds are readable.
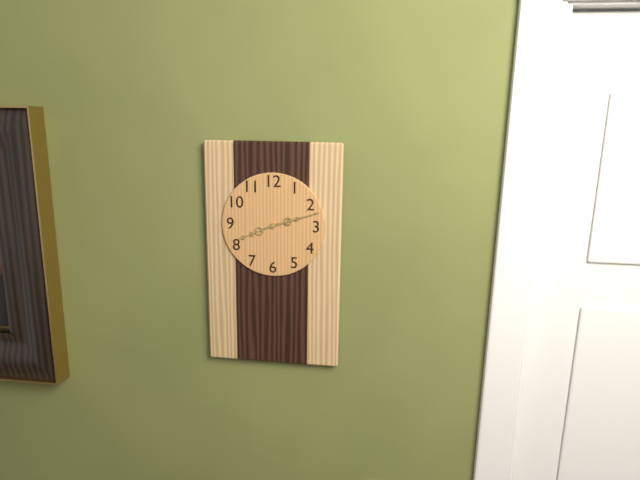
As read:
**8:12**
